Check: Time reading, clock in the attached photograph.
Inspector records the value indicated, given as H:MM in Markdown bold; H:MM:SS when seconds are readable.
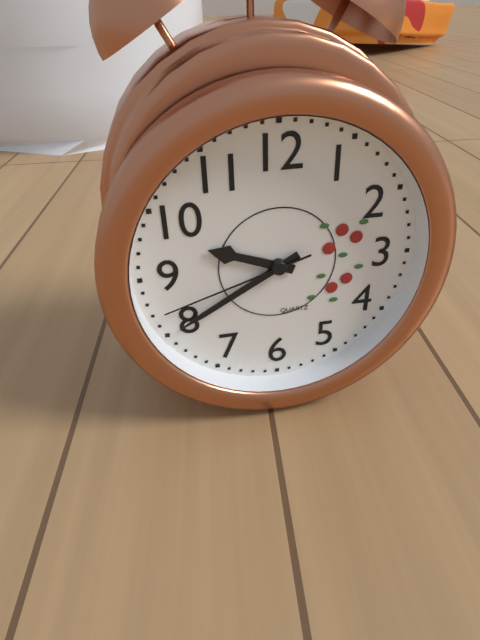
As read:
**9:40:42**
